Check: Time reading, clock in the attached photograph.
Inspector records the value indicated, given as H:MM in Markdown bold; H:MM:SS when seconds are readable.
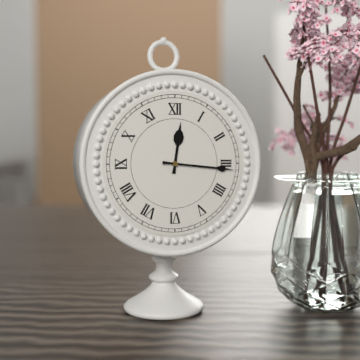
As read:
**12:16**
